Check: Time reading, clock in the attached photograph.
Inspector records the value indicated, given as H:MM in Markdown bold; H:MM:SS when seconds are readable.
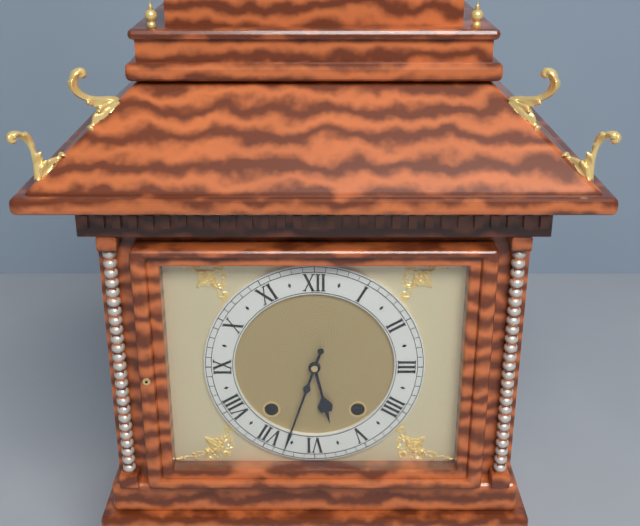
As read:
**5:33**
